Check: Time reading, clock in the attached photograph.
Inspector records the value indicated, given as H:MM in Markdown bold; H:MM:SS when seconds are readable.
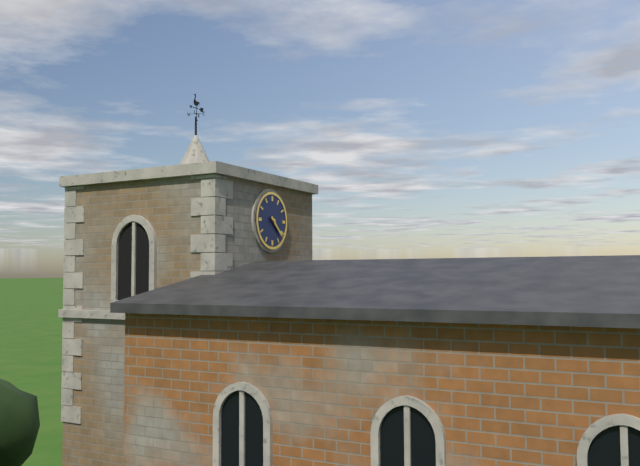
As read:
**4:22**
